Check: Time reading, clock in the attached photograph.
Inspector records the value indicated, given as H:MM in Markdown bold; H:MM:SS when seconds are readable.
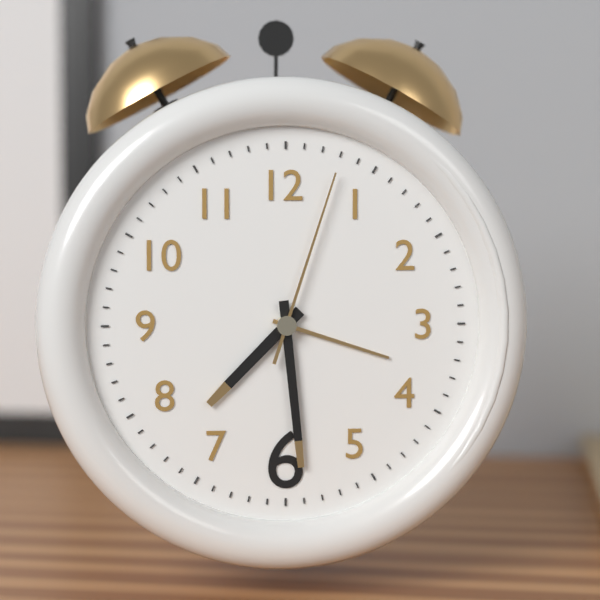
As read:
**7:29:03**
